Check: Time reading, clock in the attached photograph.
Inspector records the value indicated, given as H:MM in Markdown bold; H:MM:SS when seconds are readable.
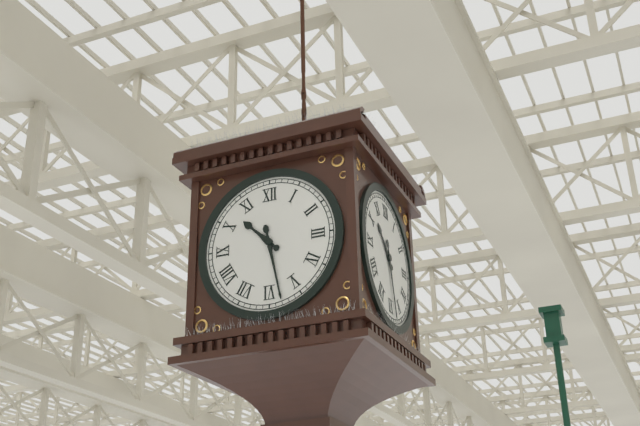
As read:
**10:28**
